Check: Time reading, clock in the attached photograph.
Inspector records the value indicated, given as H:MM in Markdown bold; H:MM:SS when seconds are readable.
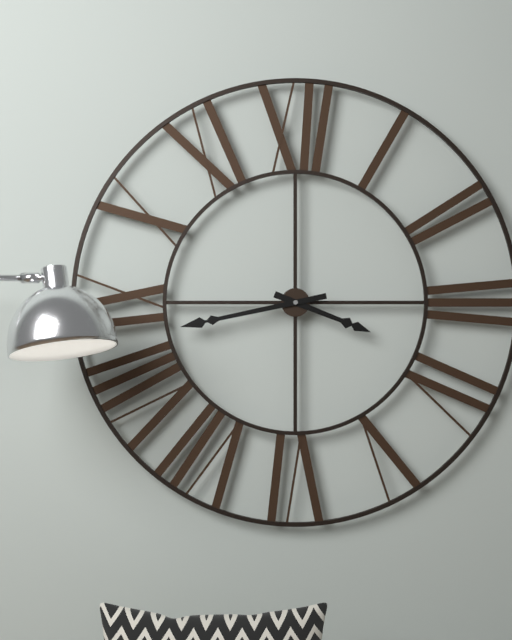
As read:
**3:43**
